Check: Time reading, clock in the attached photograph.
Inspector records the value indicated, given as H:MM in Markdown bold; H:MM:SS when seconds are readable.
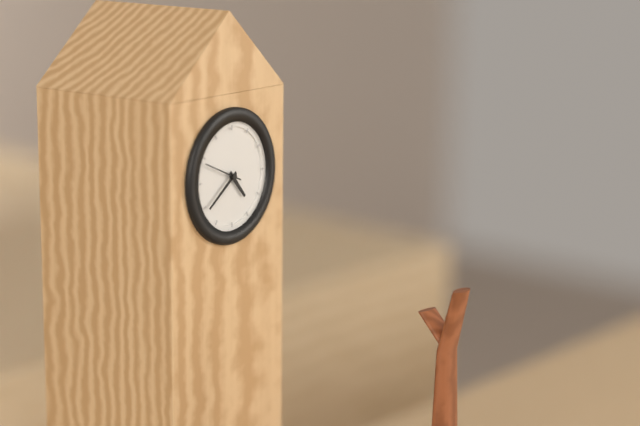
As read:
**4:39**
